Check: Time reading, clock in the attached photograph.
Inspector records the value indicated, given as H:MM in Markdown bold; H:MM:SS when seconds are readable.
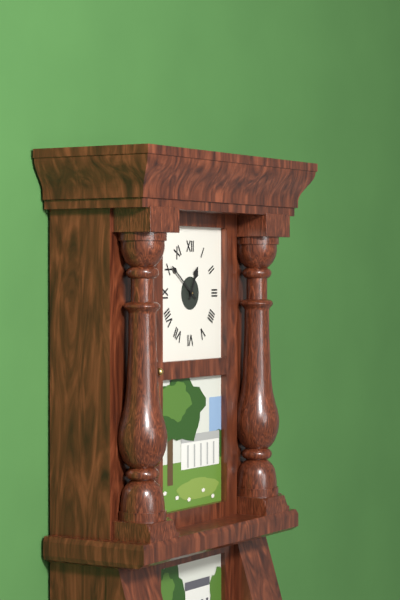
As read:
**12:51**
